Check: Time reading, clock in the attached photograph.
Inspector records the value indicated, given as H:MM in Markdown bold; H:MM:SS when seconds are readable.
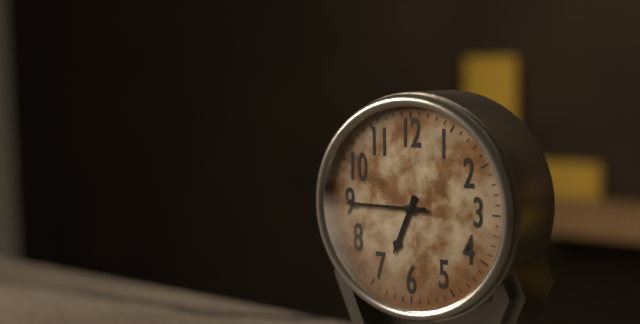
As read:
**6:45**
